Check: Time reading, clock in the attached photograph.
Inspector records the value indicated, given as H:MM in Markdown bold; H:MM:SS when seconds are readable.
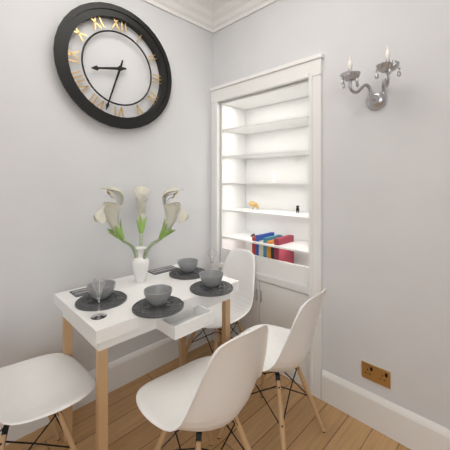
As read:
**8:33**
